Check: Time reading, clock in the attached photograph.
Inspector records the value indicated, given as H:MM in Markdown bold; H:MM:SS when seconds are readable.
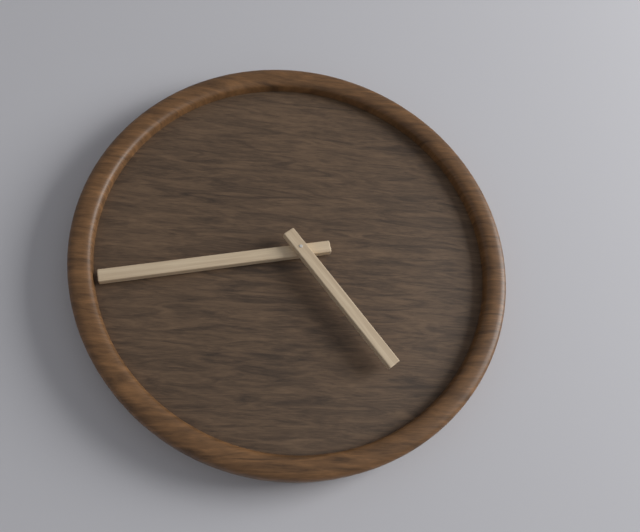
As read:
**4:43**
